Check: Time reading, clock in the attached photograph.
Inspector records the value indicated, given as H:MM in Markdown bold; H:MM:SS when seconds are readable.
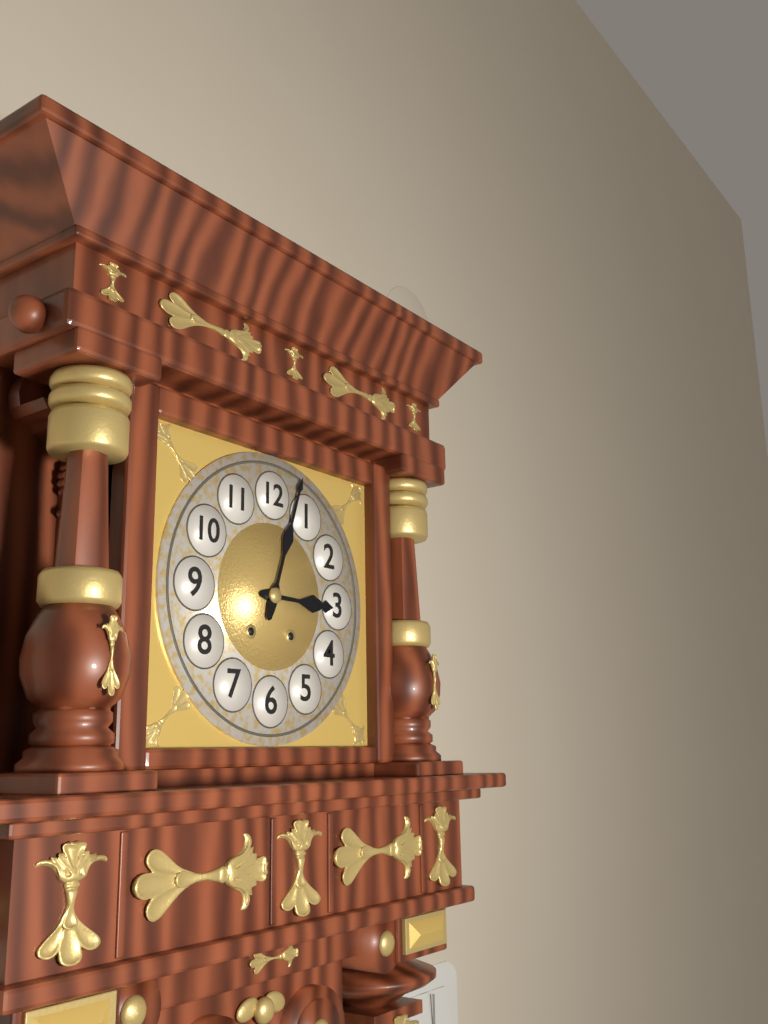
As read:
**3:03**
